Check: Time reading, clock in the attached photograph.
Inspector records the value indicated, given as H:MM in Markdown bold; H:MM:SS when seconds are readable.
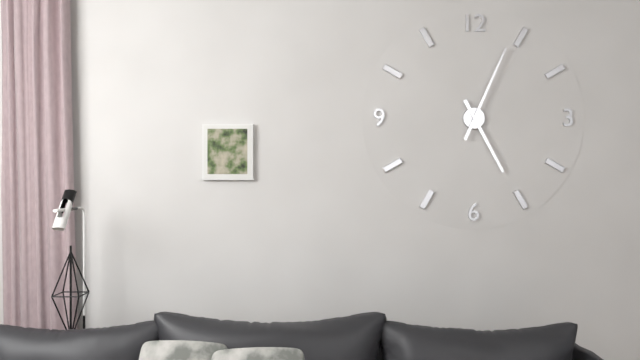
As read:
**5:04**
